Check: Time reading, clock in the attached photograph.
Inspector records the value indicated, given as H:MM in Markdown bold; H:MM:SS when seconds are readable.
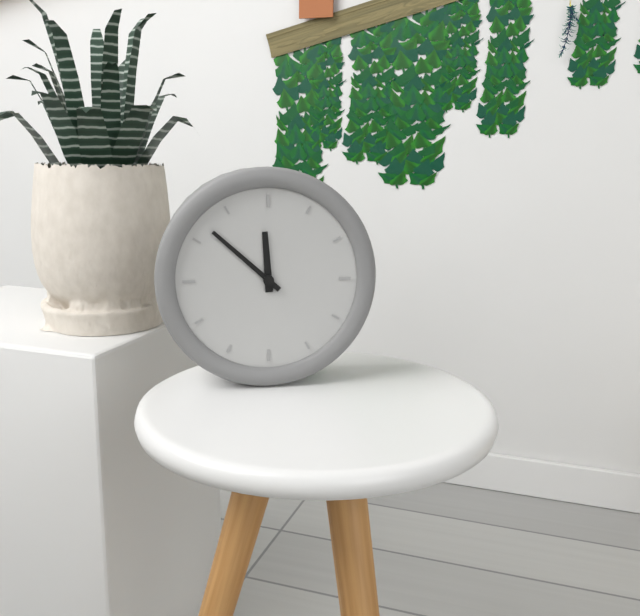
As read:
**11:52**
